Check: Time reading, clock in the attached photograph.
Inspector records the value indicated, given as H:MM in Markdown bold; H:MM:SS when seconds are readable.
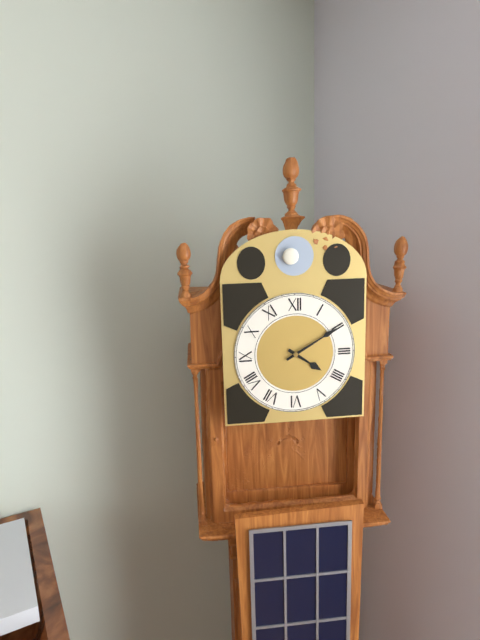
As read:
**4:10**
